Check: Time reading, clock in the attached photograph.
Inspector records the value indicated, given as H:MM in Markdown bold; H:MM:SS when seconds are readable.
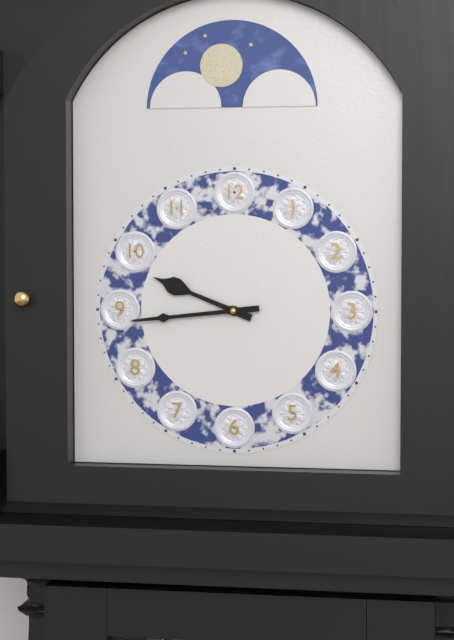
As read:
**9:44**
